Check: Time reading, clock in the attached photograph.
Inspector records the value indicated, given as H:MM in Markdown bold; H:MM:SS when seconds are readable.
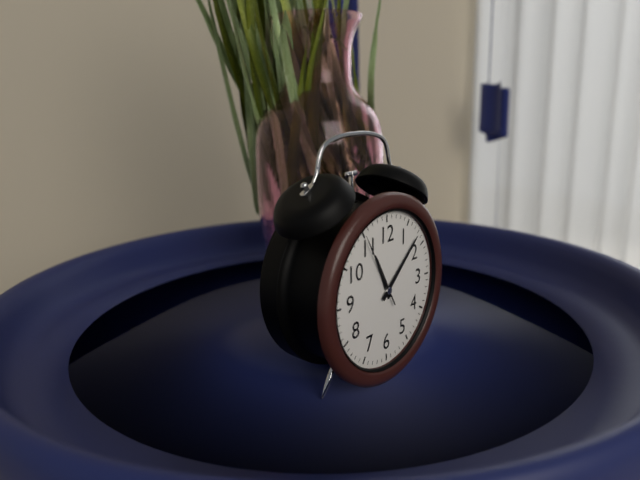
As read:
**11:08:55**
